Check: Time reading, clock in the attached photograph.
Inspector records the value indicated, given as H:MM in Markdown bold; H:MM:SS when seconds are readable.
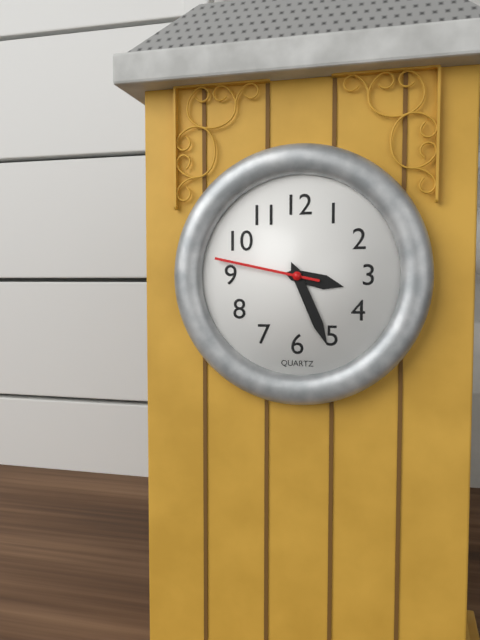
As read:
**3:26:47**
